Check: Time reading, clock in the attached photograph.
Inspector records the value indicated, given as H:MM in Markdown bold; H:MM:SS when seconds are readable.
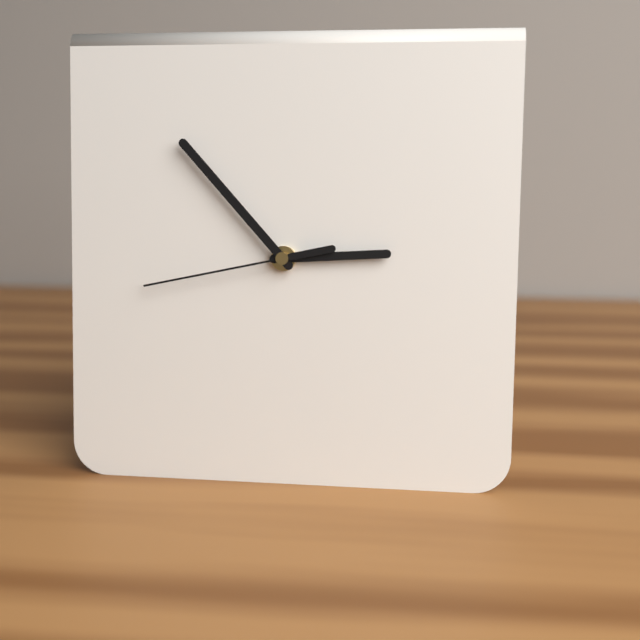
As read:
**2:53:43**
